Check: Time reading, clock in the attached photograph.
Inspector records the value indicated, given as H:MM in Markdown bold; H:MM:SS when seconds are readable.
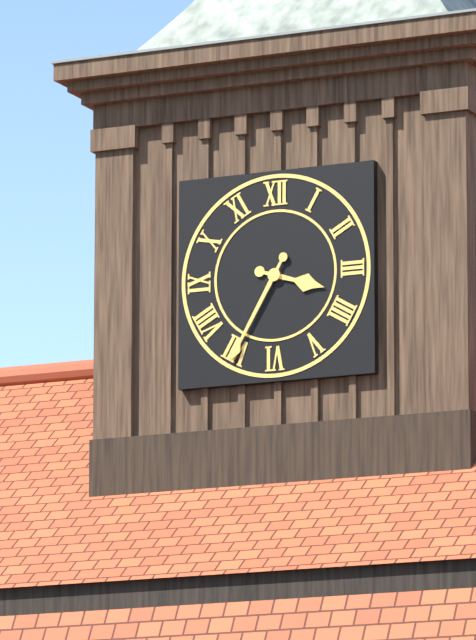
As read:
**3:35**
